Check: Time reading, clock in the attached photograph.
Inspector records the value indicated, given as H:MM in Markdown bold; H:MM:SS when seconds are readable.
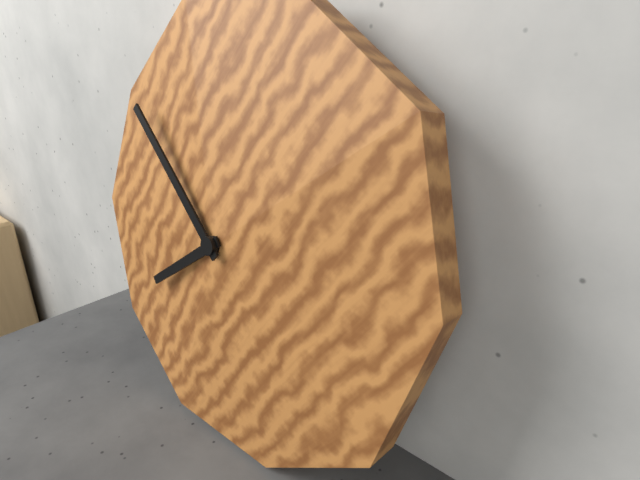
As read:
**7:52**
